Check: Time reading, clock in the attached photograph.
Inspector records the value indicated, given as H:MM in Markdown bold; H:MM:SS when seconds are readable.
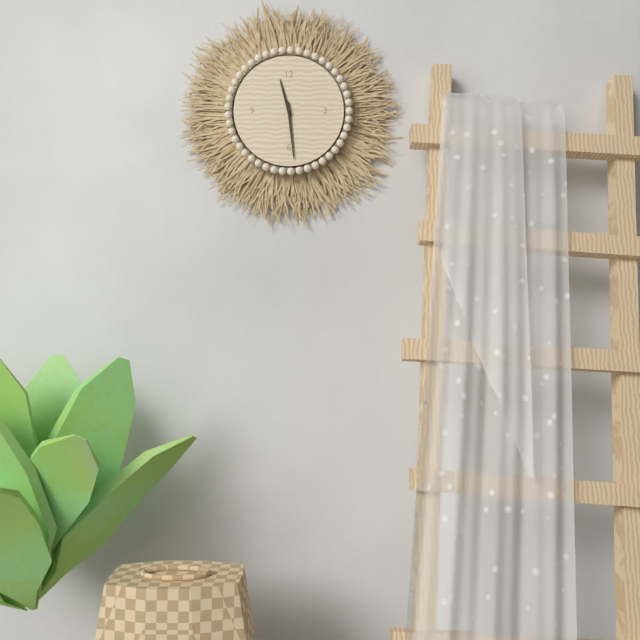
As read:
**11:29**
